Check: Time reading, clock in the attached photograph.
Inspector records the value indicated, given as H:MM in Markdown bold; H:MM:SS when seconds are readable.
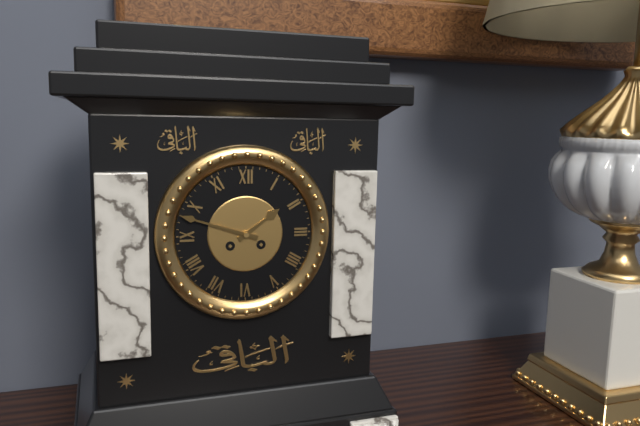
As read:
**1:48**
